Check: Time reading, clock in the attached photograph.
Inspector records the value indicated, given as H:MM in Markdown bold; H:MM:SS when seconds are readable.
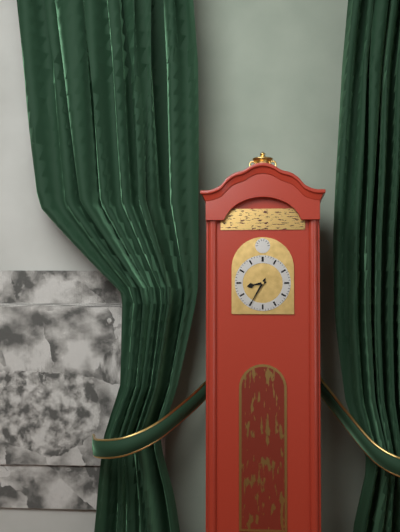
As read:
**8:35**
